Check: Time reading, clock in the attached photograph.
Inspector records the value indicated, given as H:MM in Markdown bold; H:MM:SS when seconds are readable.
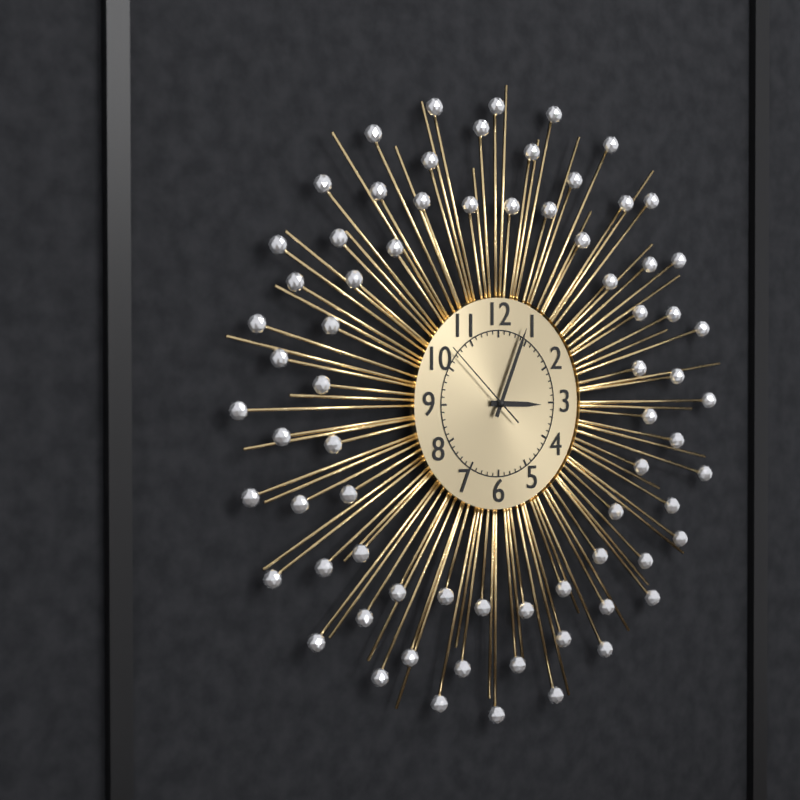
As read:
**3:04:52**
